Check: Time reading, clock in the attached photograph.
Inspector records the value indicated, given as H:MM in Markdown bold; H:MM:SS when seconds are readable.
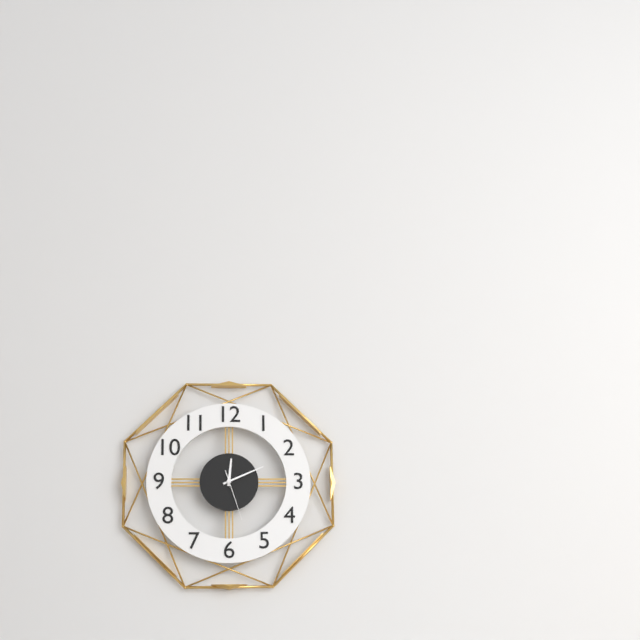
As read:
**12:11**
